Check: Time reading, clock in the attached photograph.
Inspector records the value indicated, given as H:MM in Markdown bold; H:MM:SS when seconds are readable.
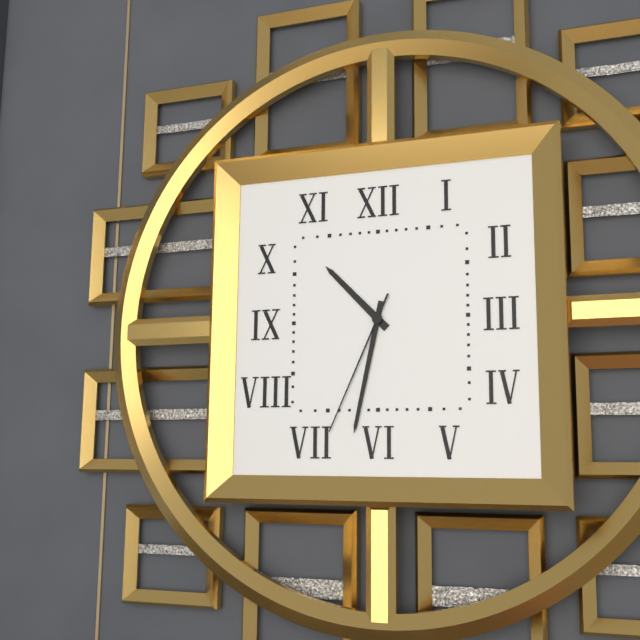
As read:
**10:32:34**
